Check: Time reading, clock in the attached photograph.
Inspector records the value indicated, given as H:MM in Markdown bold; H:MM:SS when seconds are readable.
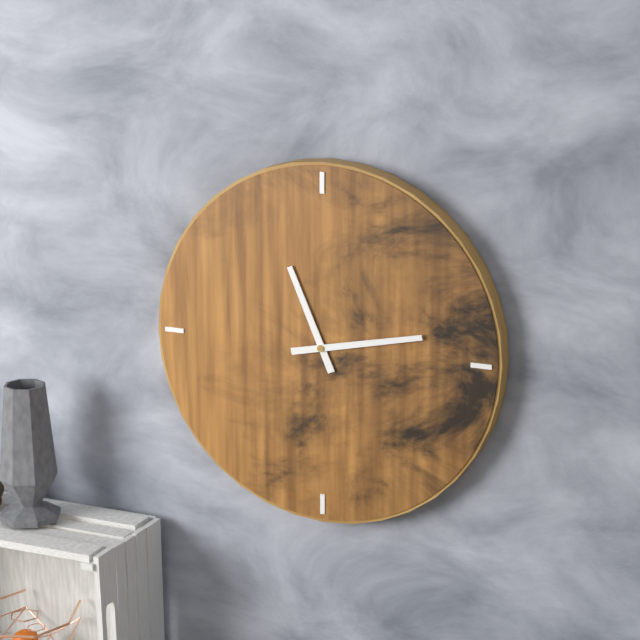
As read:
**11:13**
